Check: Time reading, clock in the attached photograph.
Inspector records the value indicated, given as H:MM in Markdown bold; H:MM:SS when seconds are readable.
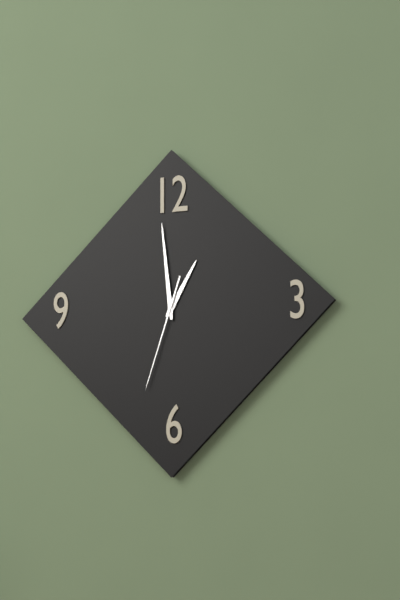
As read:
**12:59:33**
